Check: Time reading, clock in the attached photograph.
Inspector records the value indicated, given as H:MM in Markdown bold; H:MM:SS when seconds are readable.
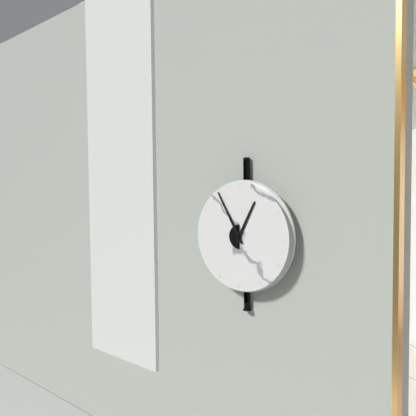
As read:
**12:55**
